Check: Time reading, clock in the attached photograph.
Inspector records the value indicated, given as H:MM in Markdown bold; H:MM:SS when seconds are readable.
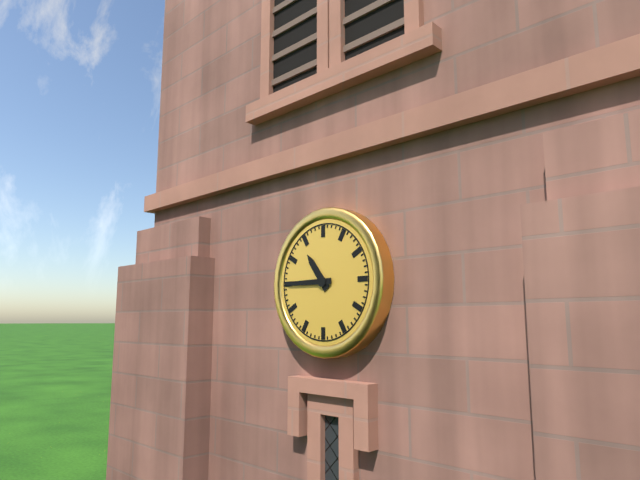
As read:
**10:45**
